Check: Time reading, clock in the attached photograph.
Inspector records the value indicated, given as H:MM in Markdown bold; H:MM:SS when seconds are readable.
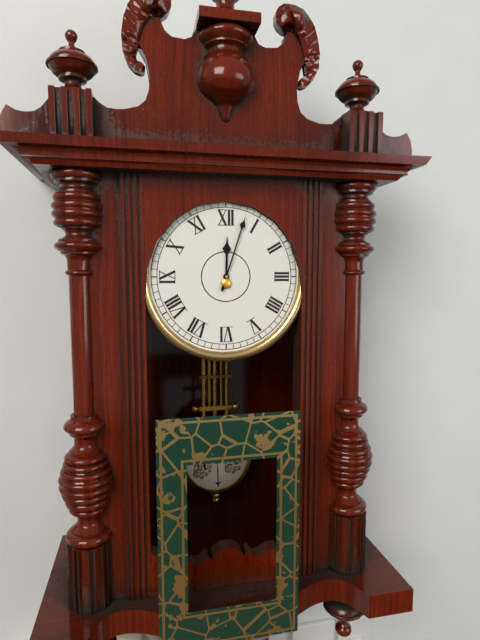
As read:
**12:03**
